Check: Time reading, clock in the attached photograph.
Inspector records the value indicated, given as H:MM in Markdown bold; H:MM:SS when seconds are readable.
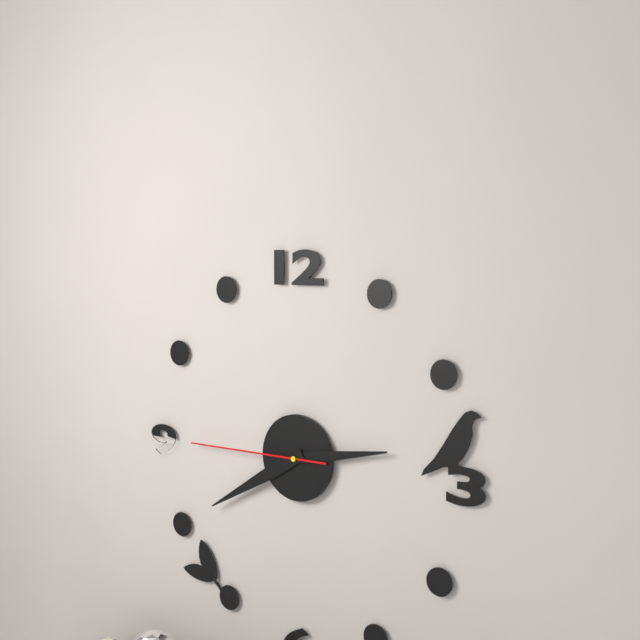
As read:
**2:40:45**
